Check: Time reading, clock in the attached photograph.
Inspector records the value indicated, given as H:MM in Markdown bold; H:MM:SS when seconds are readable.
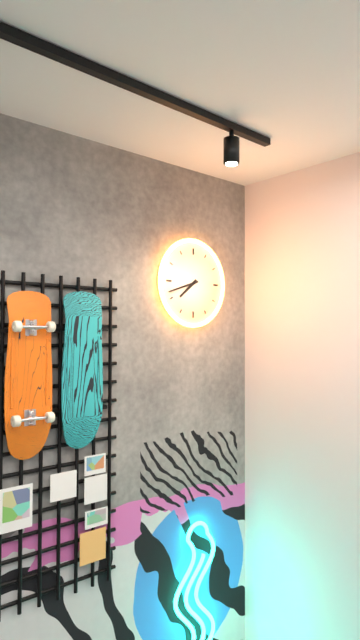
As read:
**7:42**
